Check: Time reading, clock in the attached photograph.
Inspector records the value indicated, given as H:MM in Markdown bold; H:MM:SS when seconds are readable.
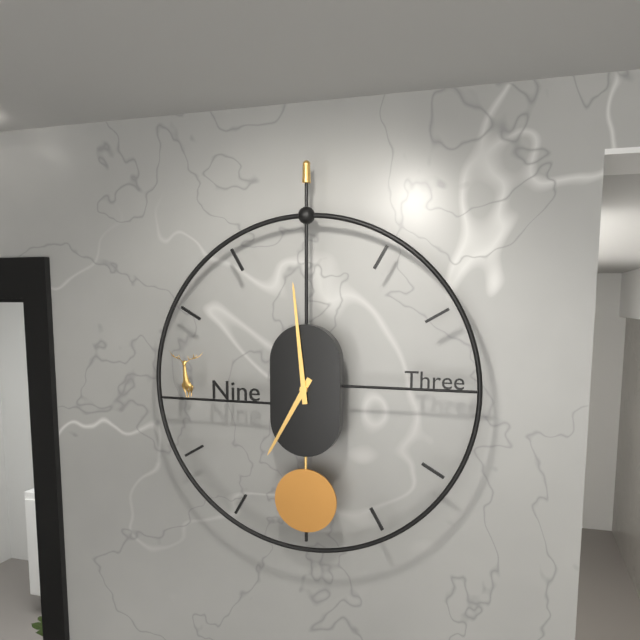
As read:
**6:59**
